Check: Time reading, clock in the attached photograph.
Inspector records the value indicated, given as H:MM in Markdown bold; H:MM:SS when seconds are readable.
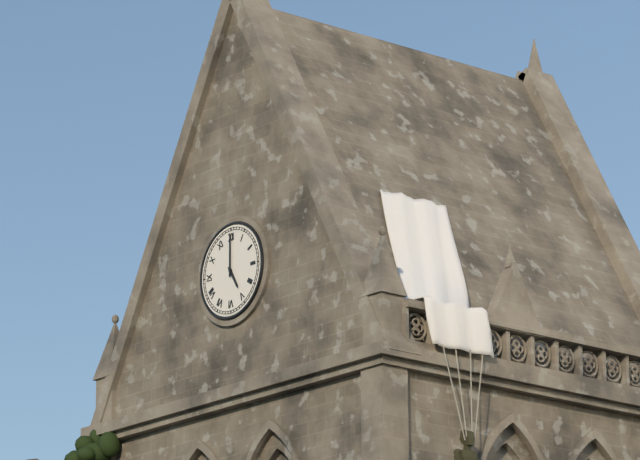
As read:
**5:00**
